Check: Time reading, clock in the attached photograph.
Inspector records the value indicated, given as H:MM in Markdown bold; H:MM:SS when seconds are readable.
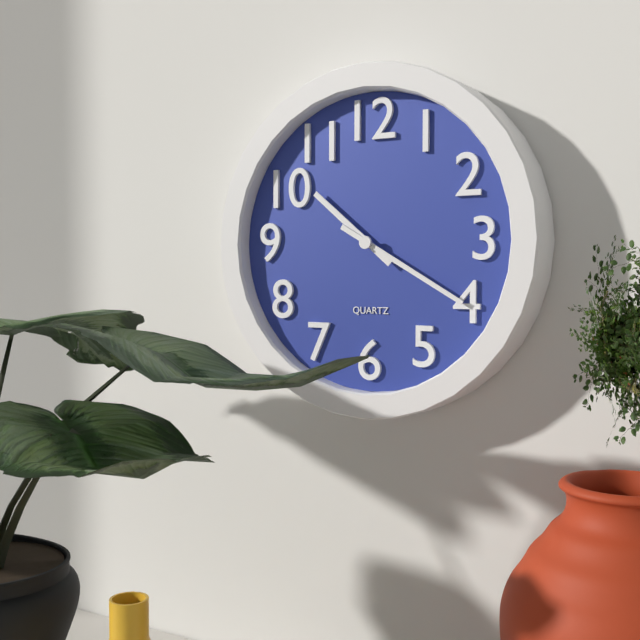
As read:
**10:20**
